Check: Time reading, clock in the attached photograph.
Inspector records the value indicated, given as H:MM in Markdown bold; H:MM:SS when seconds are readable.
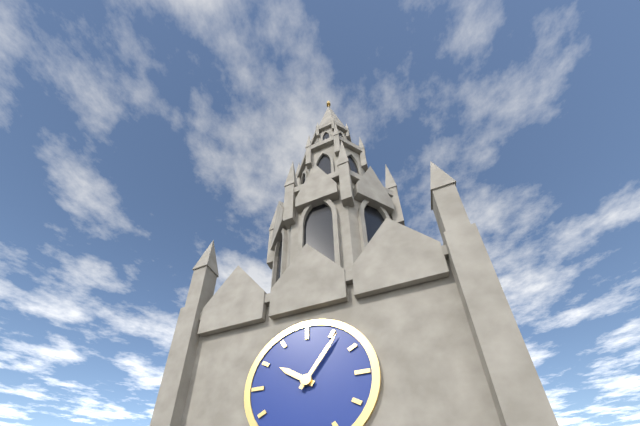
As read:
**10:06**
